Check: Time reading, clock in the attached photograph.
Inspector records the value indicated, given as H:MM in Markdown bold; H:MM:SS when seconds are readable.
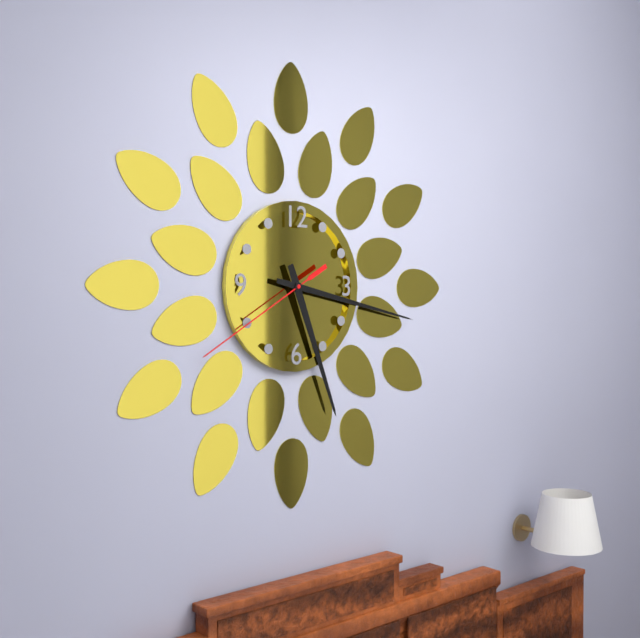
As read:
**5:17:40**
